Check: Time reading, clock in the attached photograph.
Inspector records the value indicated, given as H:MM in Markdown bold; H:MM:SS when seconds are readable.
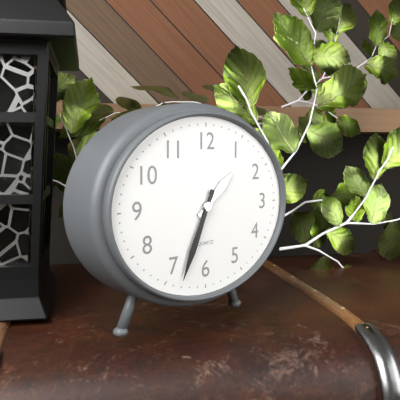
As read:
**1:34**
